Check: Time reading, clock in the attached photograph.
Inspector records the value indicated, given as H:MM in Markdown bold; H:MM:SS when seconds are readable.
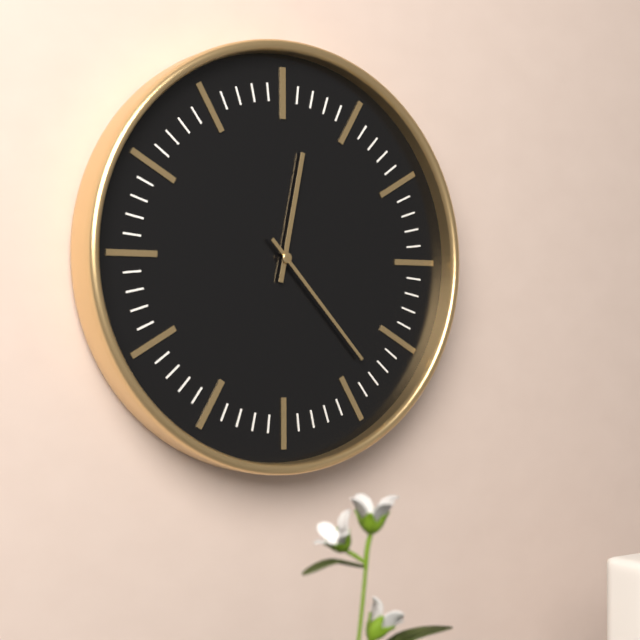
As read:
**12:23**
